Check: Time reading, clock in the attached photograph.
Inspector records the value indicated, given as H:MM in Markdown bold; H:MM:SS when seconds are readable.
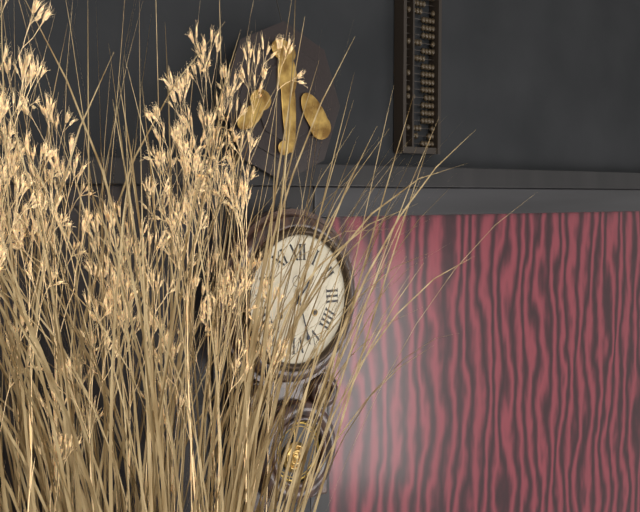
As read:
**1:27**
